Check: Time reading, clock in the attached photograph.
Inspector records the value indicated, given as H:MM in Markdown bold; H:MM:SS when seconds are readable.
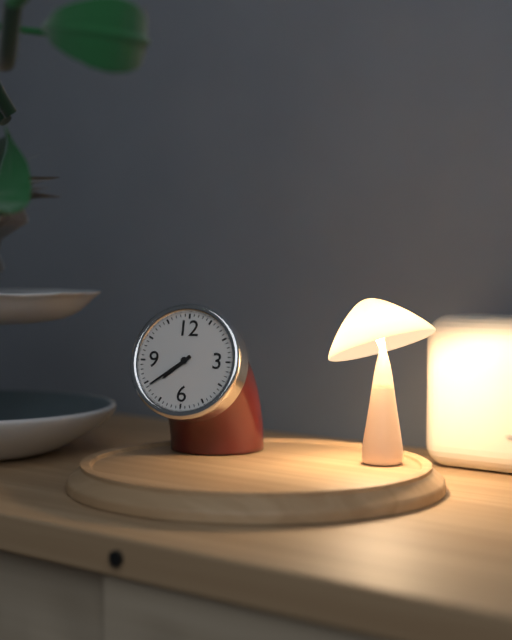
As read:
**7:39**
